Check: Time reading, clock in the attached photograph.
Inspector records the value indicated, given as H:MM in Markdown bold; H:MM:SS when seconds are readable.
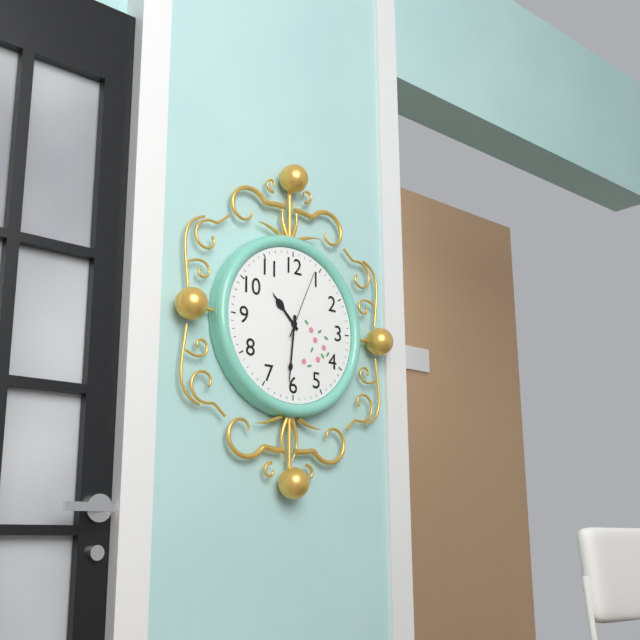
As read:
**10:31:04**
